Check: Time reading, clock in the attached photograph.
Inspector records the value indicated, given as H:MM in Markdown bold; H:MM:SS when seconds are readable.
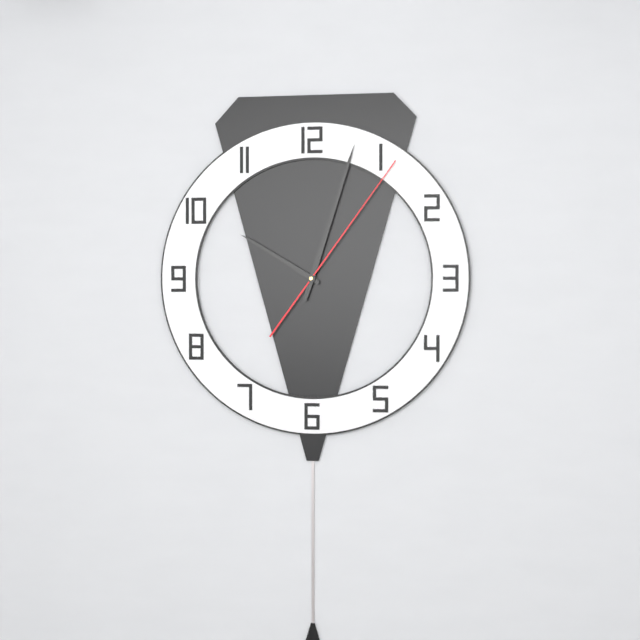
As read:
**10:03:06**
